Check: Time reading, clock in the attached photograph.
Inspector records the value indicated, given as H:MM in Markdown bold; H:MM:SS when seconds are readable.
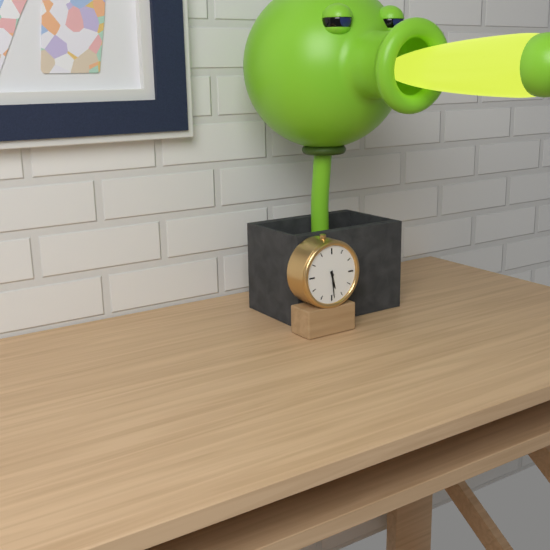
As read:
**5:29**
